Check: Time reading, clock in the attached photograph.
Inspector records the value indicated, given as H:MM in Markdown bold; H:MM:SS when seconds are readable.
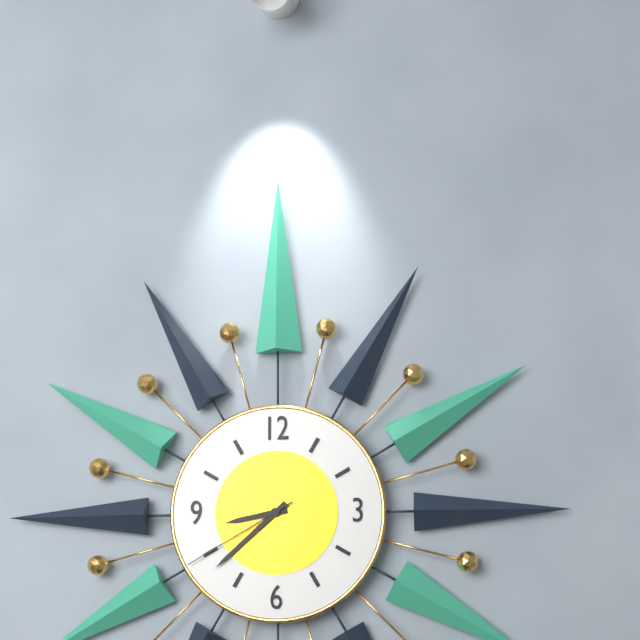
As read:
**8:38:40**
